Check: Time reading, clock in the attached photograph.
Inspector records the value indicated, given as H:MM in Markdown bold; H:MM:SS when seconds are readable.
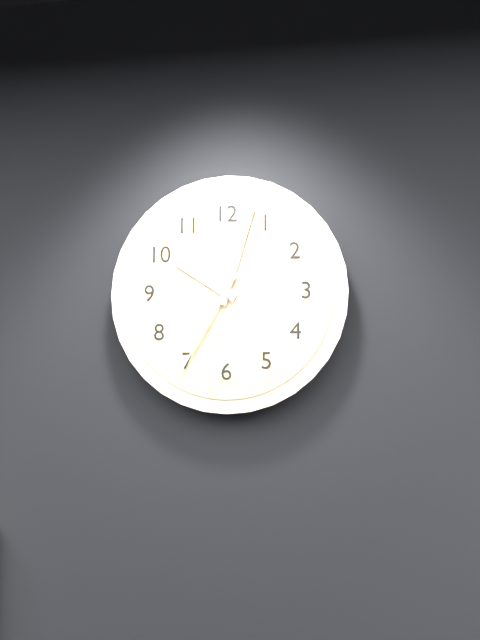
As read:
**10:03:35**
